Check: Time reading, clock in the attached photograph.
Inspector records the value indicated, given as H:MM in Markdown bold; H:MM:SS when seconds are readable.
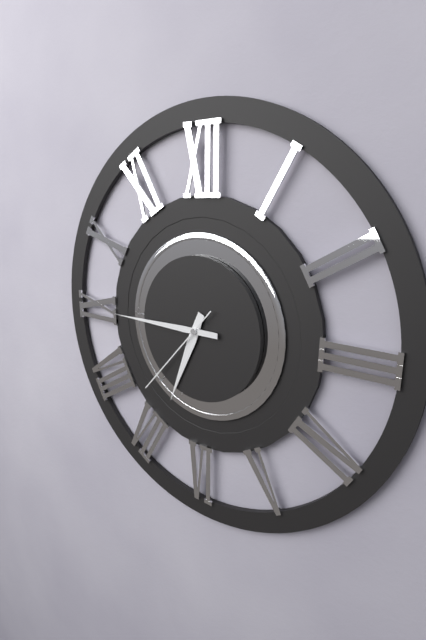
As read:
**6:45:37**
